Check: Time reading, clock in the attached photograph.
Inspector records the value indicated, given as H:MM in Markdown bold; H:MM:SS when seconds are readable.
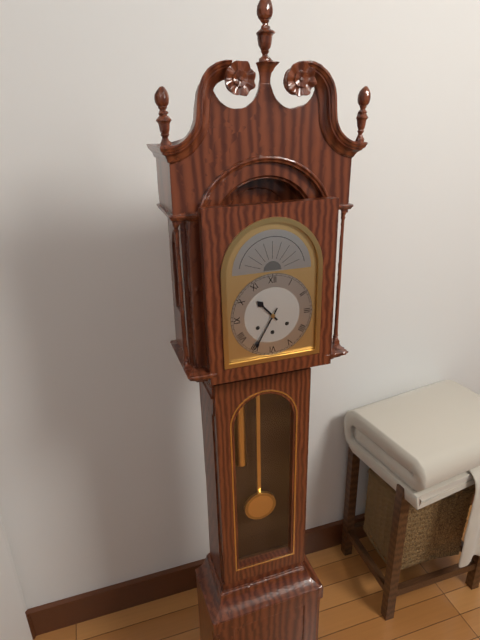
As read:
**10:35**
